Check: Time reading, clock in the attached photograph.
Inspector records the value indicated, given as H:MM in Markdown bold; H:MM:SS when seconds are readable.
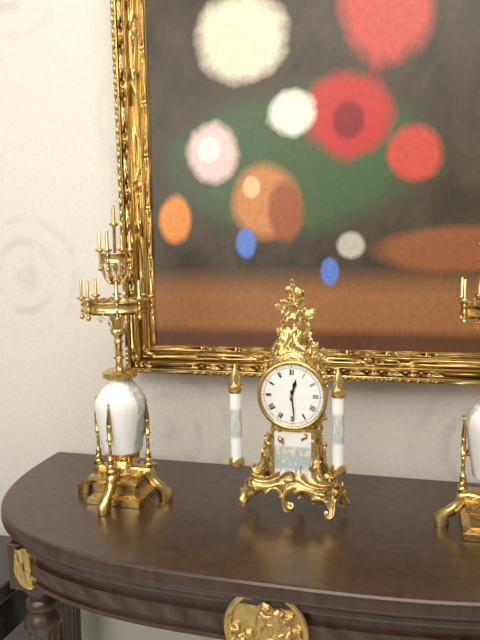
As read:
**12:29**
